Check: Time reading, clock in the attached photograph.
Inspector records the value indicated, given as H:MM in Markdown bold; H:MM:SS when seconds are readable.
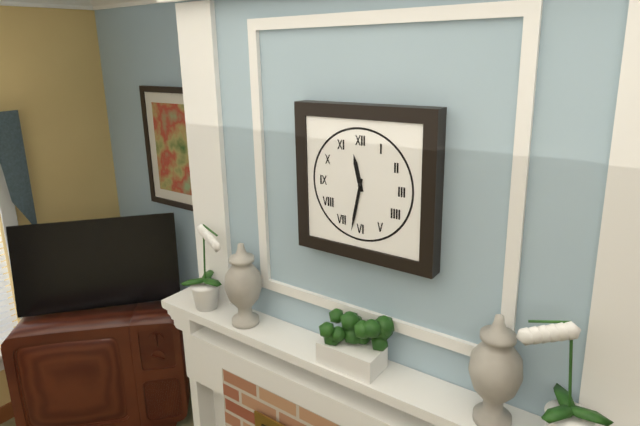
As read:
**11:32**
